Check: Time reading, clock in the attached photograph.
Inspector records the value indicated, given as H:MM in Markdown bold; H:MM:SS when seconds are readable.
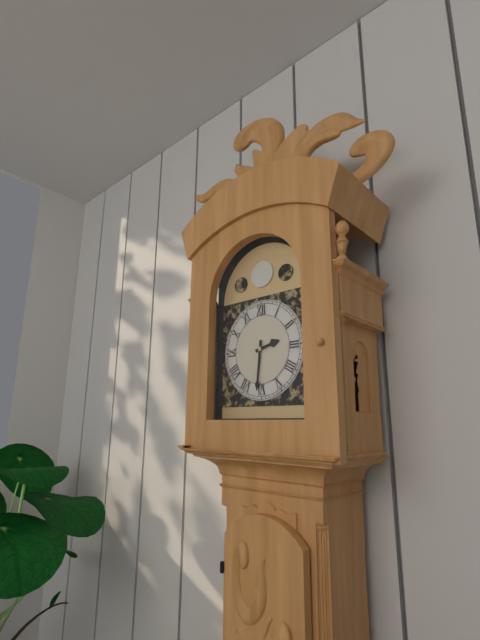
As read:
**2:31**
